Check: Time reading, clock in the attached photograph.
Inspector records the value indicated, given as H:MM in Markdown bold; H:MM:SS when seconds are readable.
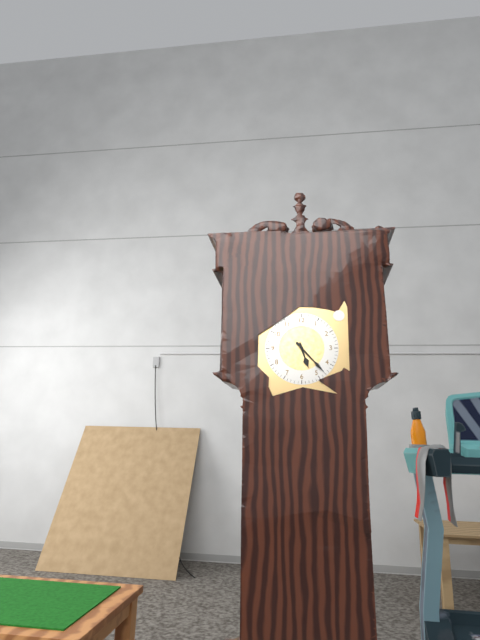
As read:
**5:23**
